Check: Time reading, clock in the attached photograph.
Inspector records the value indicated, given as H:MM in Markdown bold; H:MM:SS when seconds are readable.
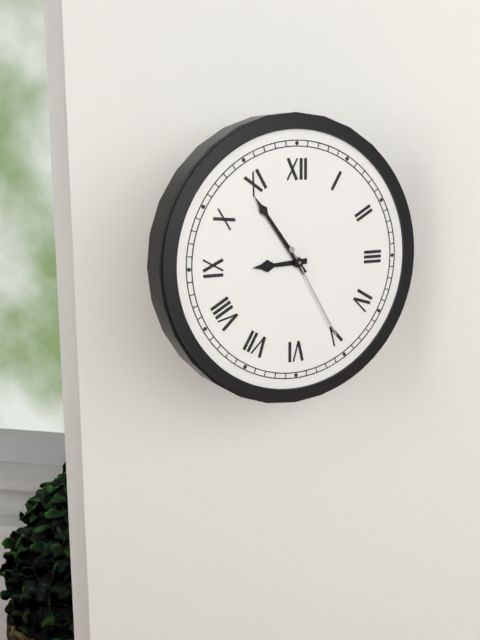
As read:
**8:54:25**
